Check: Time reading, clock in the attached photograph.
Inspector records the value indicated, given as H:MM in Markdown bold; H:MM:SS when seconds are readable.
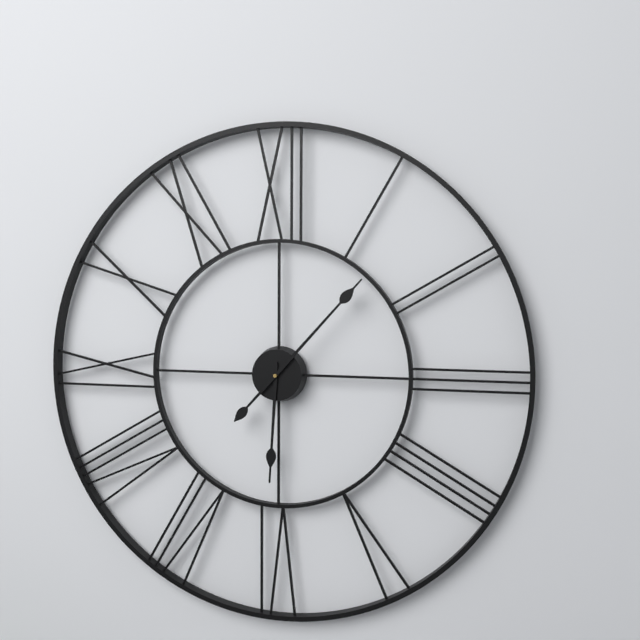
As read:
**6:07**
